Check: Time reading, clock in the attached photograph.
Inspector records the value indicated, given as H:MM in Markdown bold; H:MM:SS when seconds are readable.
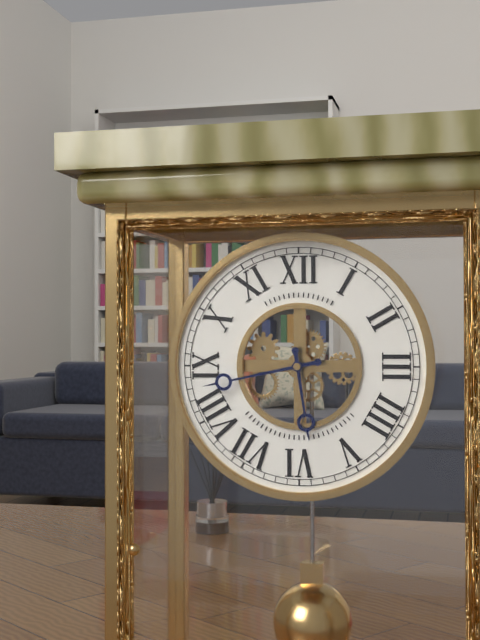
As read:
**5:43**
